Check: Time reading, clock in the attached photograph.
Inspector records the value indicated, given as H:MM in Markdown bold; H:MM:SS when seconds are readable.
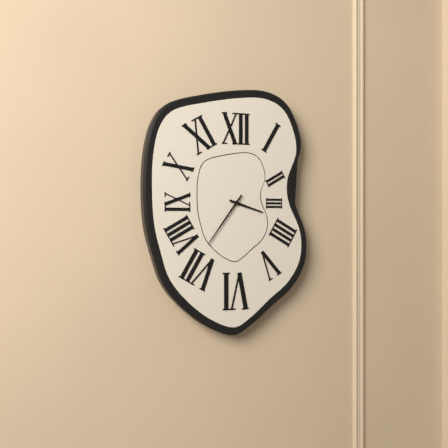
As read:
**3:36**
